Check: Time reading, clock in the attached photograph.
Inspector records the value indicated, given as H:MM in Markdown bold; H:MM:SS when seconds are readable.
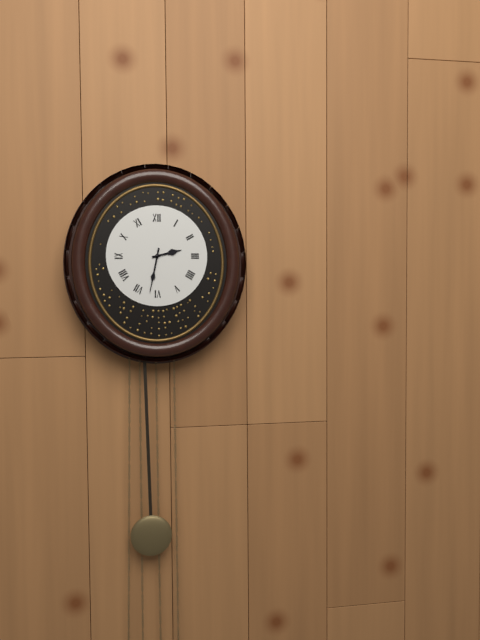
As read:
**2:32**
